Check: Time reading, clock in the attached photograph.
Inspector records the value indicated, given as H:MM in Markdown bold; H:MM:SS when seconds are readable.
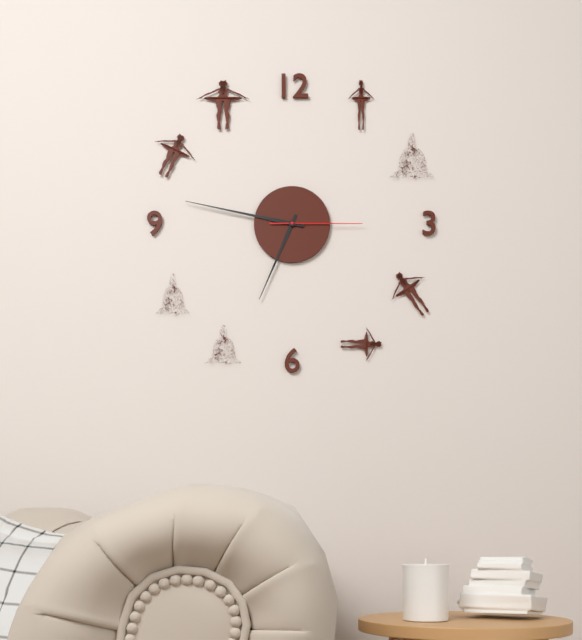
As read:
**6:47:15**
